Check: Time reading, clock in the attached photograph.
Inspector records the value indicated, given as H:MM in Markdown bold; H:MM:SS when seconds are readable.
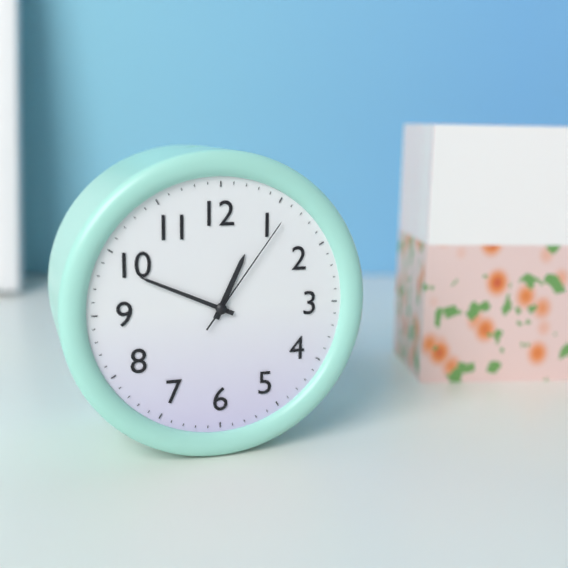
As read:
**12:49:06**
